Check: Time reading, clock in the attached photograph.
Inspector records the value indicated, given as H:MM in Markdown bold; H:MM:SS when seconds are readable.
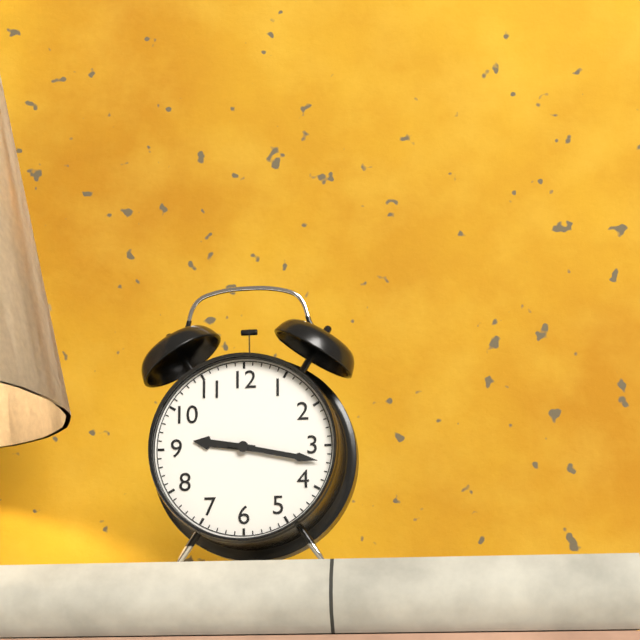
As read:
**9:17**
